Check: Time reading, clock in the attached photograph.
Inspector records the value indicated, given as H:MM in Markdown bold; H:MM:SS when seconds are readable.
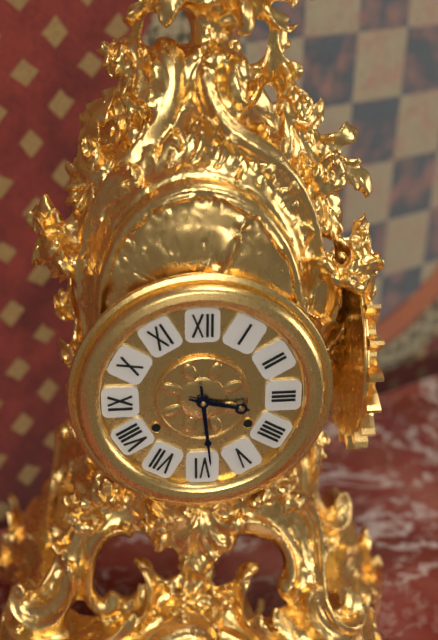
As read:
**3:29**
